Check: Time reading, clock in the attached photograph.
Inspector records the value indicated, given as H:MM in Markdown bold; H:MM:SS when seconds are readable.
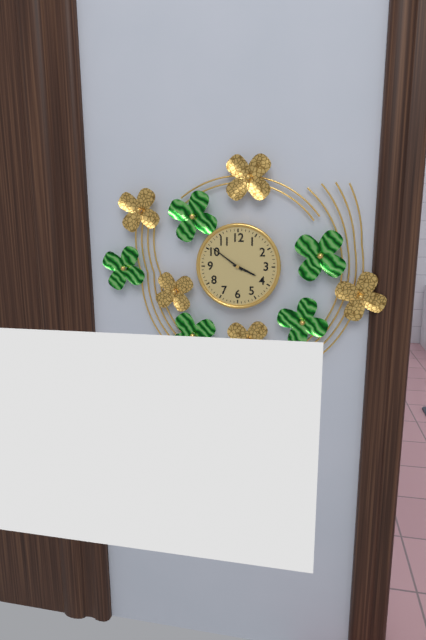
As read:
**3:51**
